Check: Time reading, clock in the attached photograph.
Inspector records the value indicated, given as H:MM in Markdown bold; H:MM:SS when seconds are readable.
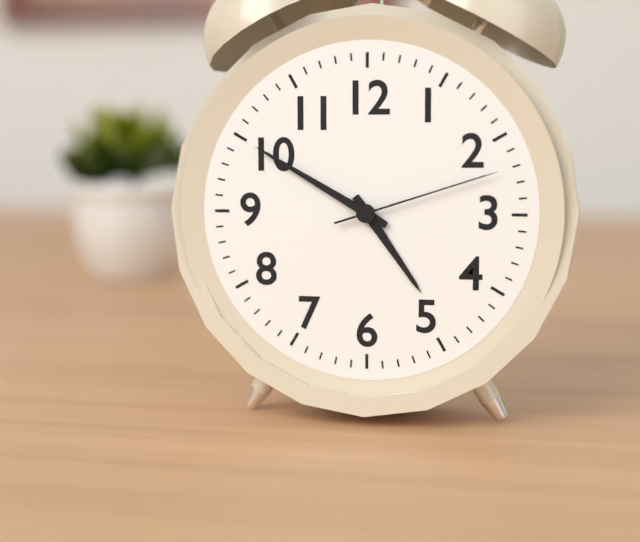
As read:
**4:50:12**
